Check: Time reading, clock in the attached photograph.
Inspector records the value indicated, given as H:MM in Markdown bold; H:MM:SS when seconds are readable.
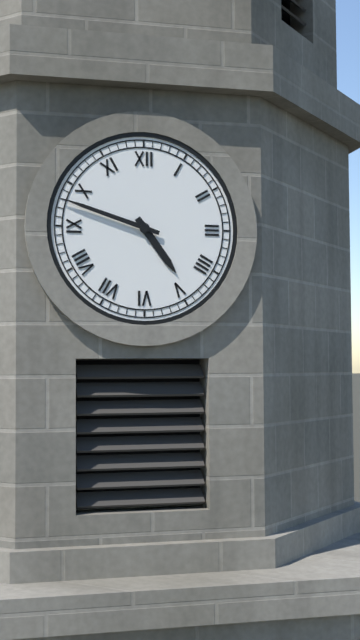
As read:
**4:48**
